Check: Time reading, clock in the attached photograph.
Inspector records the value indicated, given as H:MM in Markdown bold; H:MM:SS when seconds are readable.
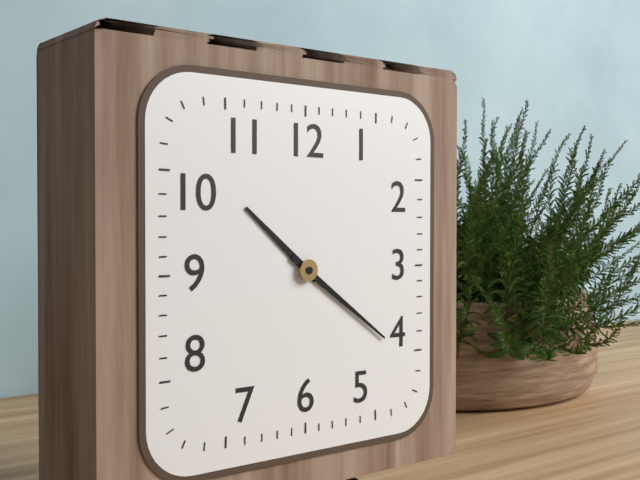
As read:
**10:21**
